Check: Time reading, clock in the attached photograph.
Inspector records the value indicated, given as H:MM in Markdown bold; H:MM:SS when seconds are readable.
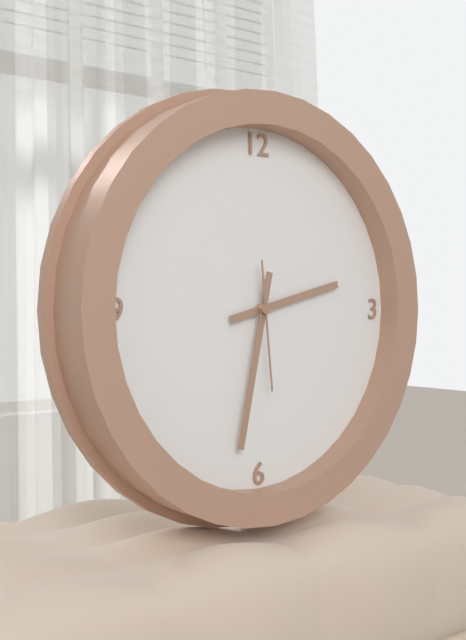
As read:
**2:32:29**
